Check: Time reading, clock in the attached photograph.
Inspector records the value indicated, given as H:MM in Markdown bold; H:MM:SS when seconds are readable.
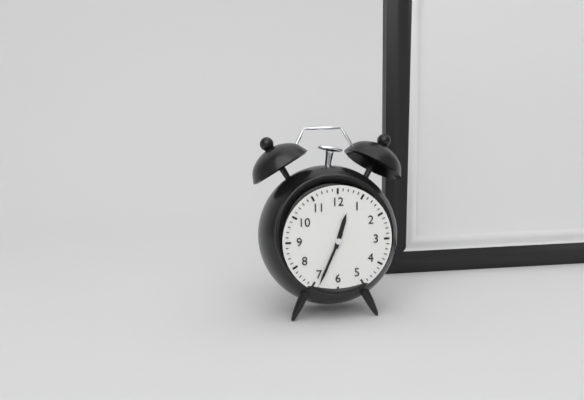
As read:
**12:34**
